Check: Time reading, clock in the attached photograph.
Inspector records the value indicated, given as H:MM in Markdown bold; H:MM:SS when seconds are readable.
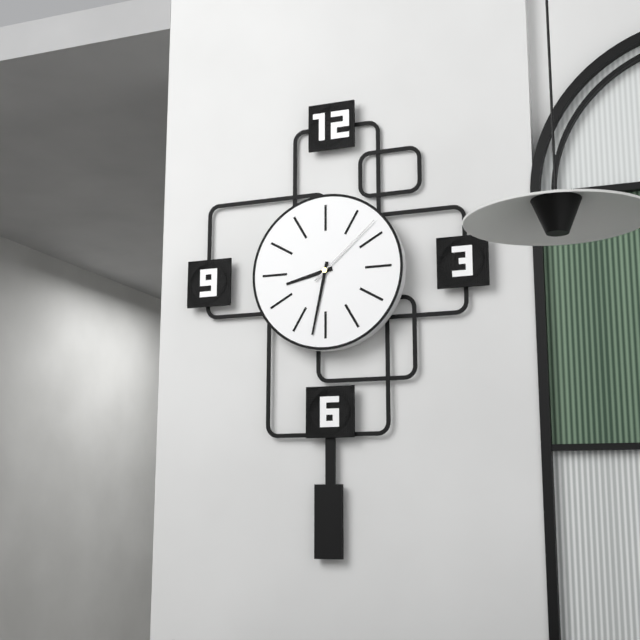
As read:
**8:32:08**
